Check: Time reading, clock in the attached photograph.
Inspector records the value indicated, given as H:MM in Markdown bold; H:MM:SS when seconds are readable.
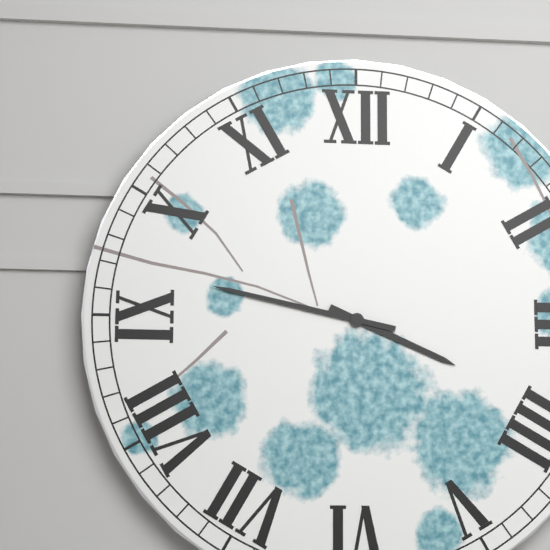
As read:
**3:47**
